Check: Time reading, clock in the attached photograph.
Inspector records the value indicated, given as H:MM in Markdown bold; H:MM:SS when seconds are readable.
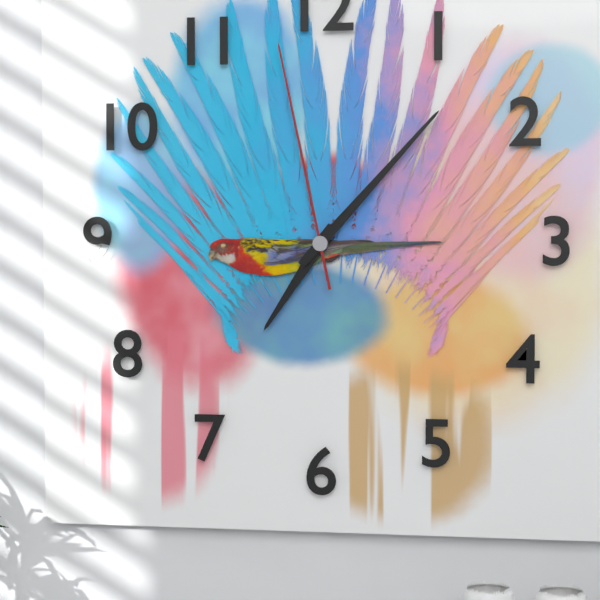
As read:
**7:07:58**
